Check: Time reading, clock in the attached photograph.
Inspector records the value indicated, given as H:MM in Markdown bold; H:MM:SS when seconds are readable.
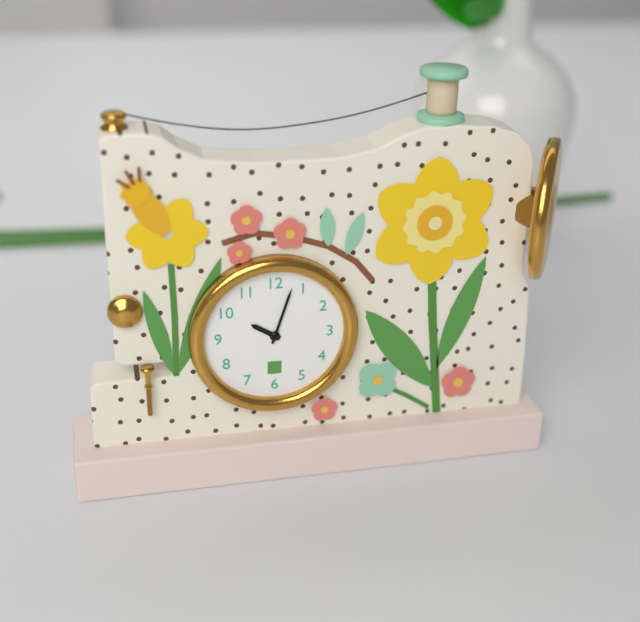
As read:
**10:03**
